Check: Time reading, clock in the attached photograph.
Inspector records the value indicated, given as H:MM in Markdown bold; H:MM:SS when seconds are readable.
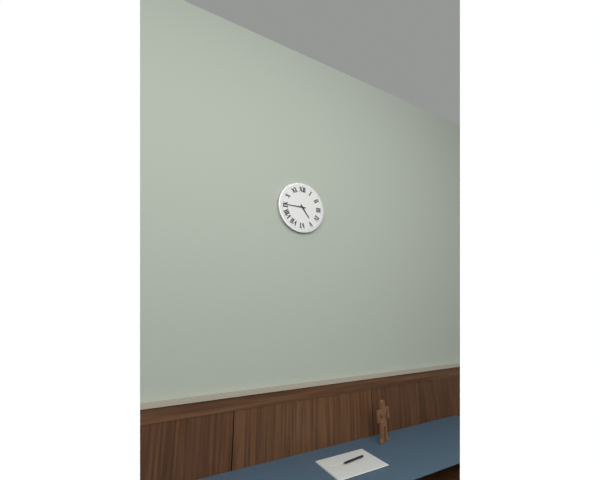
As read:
**4:45**
